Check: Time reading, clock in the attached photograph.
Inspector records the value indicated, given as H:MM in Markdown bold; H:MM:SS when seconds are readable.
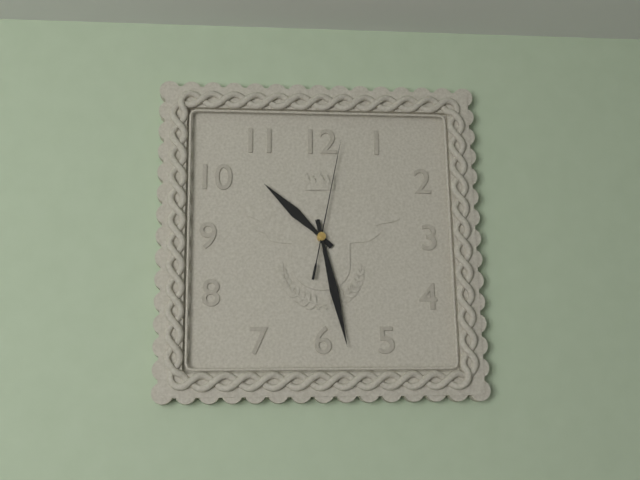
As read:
**10:28:02**
